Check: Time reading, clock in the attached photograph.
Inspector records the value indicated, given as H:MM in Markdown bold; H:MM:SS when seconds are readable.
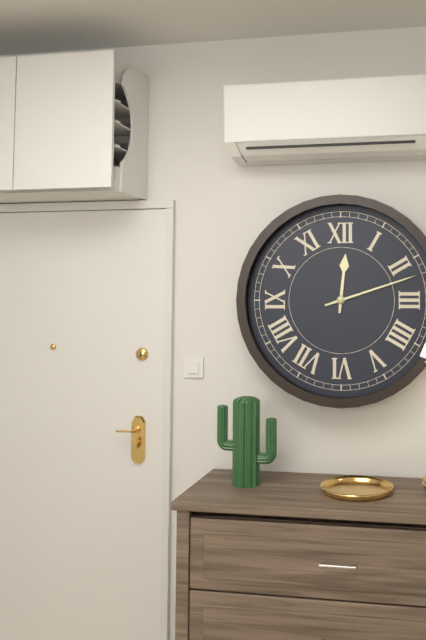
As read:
**12:12**
